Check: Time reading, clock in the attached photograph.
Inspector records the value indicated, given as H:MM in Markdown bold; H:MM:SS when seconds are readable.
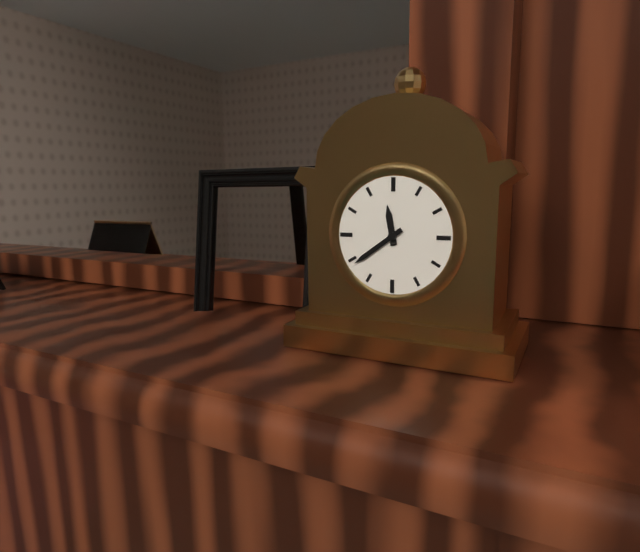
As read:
**11:39**
